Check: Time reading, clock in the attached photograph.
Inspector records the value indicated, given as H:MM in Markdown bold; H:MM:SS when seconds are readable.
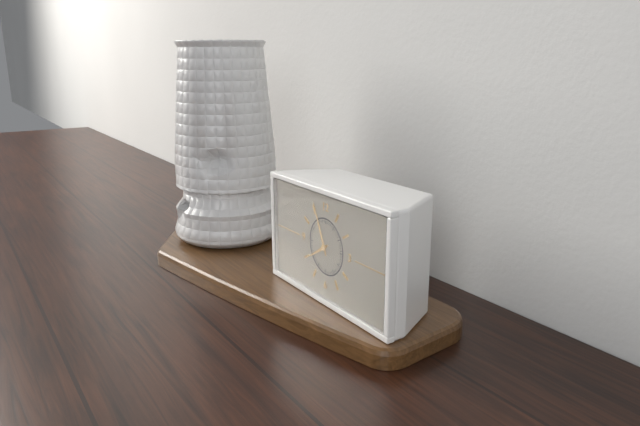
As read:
**7:56**
